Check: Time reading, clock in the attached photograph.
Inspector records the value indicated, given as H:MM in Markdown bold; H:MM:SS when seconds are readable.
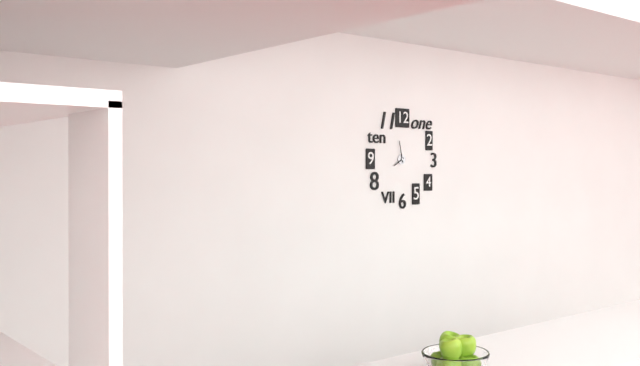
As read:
**7:58**
